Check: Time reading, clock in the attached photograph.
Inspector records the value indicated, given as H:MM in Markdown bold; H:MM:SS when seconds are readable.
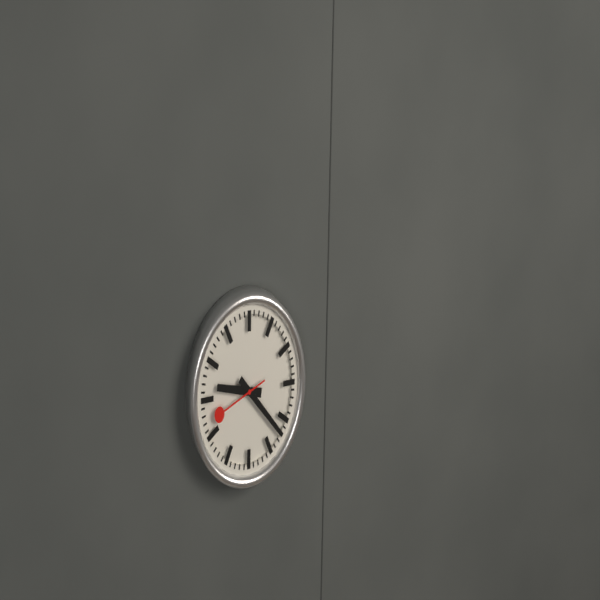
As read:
**9:22:42**
